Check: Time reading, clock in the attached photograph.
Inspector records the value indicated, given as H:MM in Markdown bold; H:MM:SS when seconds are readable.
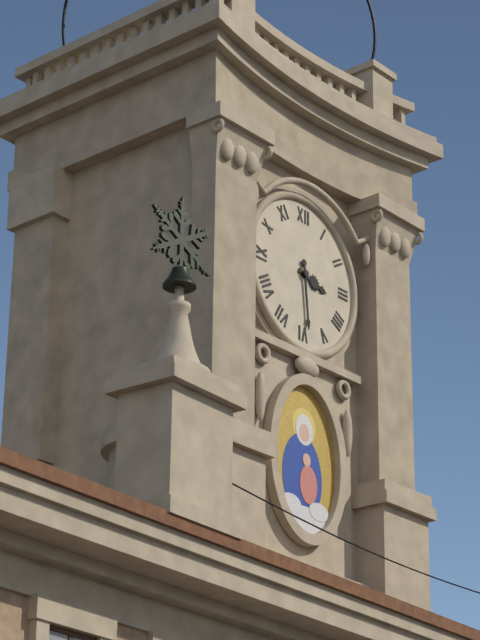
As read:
**3:29**
